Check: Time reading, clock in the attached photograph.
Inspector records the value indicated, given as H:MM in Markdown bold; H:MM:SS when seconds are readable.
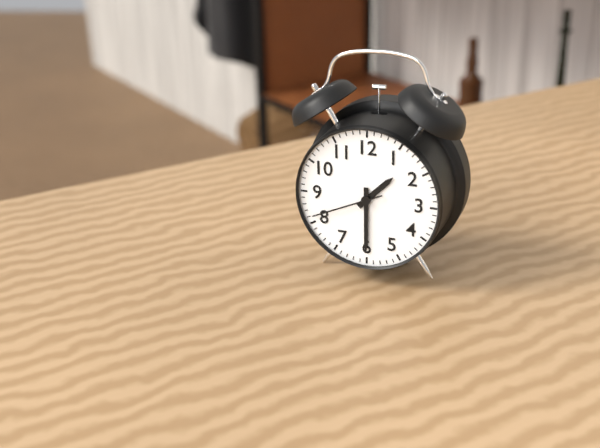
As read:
**1:30:41**
